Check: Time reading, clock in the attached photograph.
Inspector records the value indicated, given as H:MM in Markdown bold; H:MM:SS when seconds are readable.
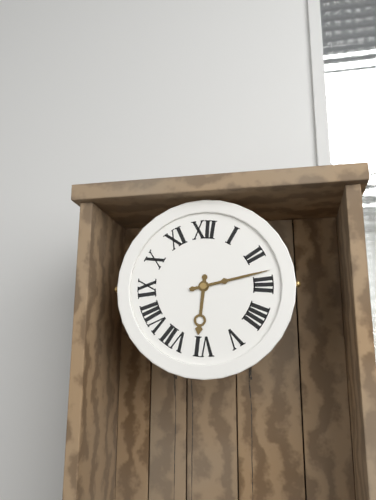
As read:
**6:13**
